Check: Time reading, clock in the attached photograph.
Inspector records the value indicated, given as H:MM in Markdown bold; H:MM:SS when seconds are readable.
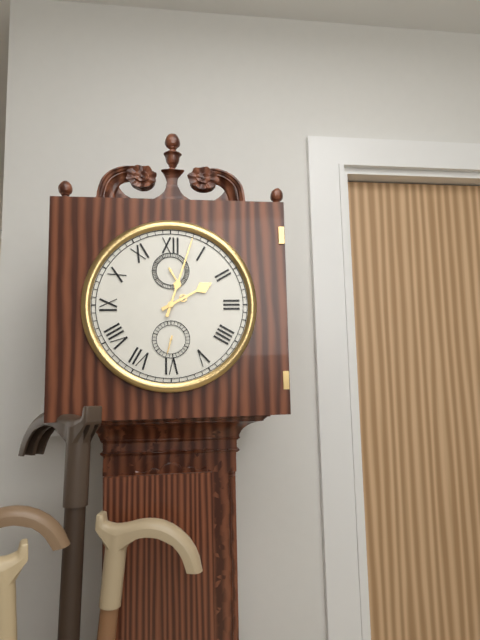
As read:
**2:03**
